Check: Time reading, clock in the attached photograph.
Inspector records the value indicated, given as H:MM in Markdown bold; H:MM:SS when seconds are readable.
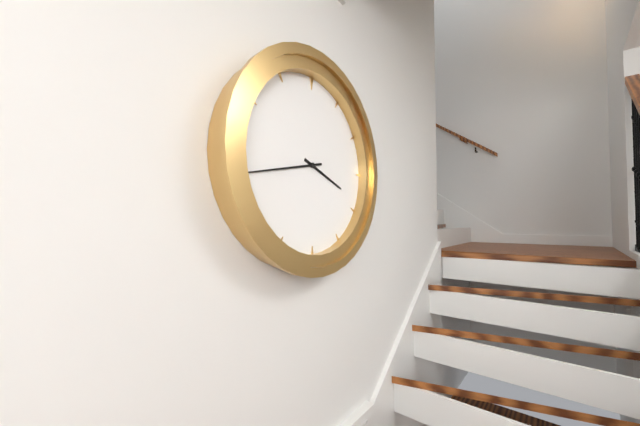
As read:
**3:43**
